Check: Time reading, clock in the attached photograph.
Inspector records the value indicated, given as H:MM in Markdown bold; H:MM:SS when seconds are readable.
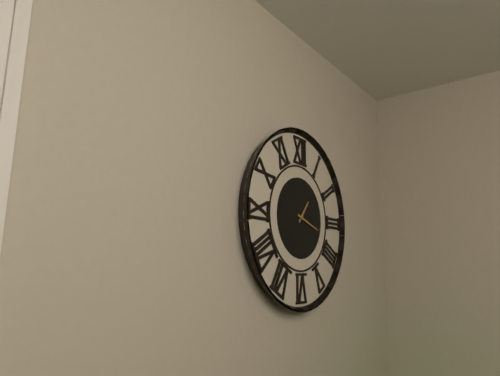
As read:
**1:18**
